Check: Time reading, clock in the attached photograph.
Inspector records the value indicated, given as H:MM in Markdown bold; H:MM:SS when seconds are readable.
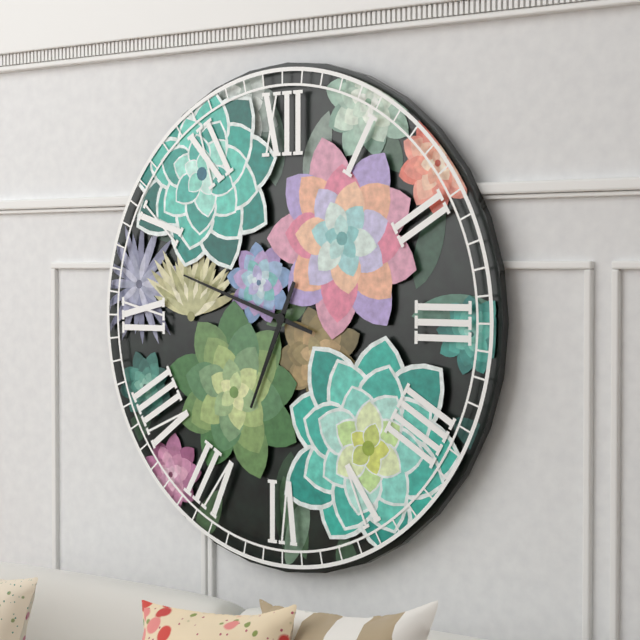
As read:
**6:48**
